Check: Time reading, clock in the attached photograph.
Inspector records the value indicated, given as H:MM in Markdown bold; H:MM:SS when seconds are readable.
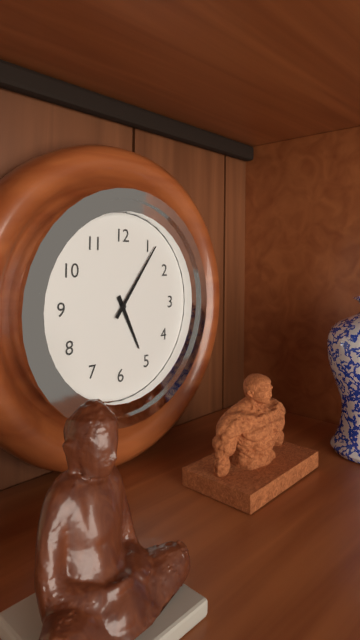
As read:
**5:06**
